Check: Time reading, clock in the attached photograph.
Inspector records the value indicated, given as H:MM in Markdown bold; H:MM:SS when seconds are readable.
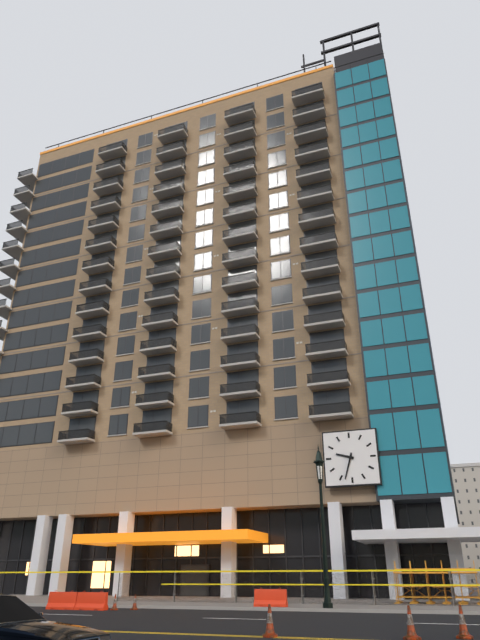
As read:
**9:33**
